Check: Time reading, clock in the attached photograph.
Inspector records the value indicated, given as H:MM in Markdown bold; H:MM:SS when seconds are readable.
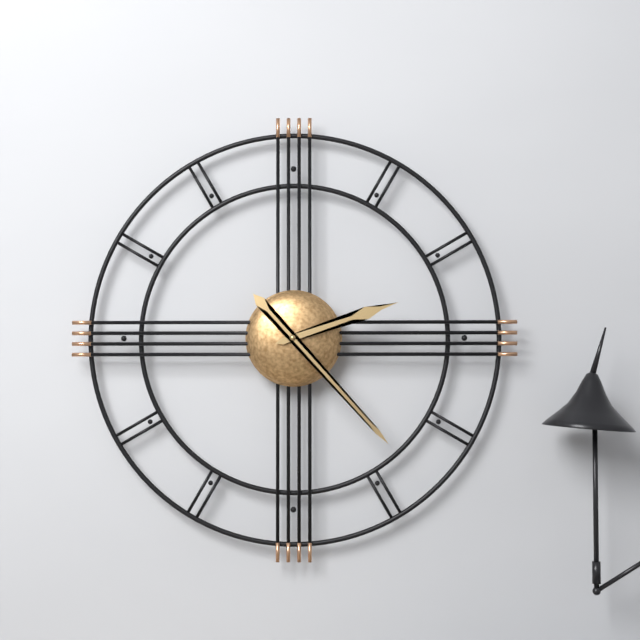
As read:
**2:23**
